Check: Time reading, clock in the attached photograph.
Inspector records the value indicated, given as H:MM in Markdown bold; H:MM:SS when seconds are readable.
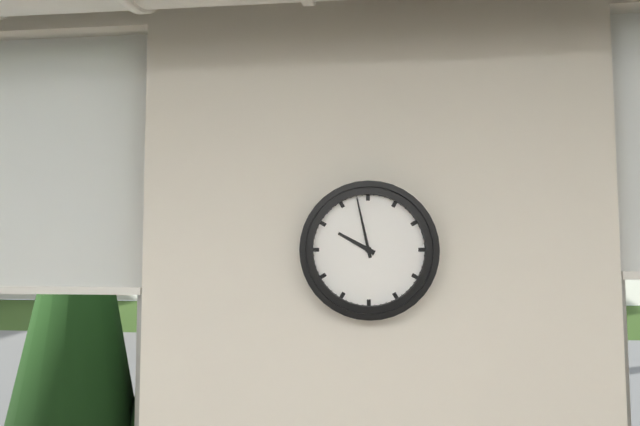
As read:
**9:58**
